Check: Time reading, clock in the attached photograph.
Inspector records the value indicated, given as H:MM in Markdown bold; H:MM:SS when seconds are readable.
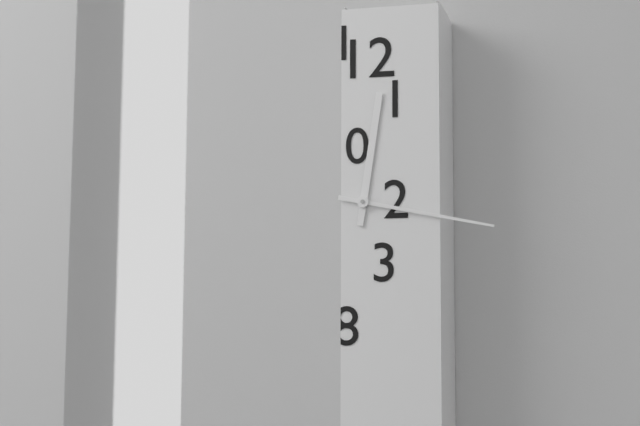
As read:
**12:17**
